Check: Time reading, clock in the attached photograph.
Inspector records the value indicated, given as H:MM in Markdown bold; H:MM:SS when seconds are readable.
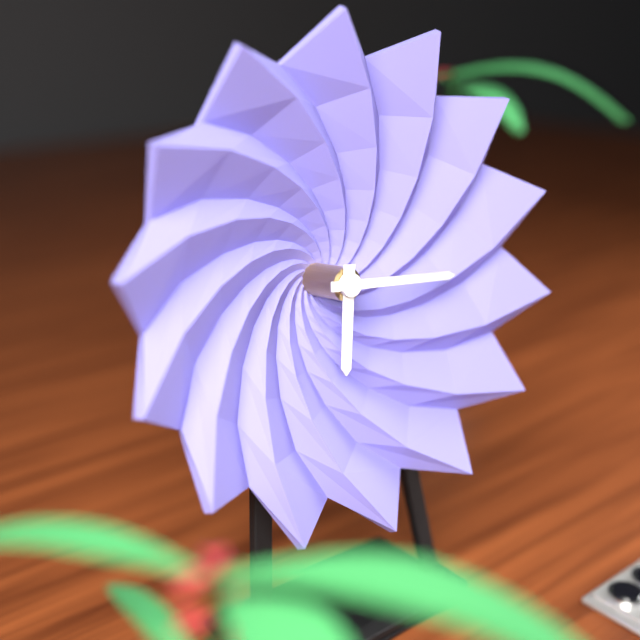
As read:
**6:16**
